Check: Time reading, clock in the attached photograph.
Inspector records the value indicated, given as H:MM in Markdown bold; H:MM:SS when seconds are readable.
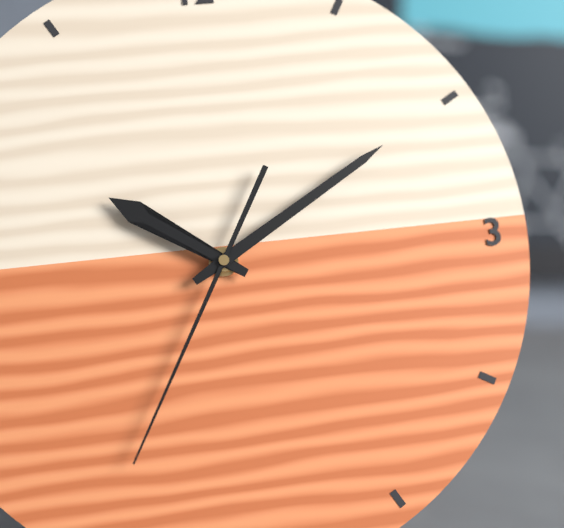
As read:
**10:10:35**
